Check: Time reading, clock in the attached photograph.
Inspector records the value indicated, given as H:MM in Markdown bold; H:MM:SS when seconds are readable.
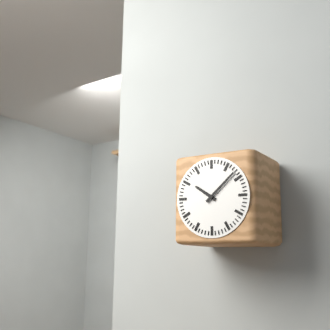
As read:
**10:08**
